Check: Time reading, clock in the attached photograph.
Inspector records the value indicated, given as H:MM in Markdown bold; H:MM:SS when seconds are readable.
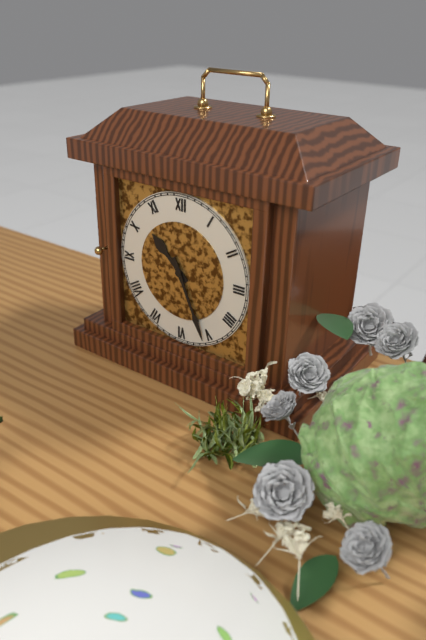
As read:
**10:26**
